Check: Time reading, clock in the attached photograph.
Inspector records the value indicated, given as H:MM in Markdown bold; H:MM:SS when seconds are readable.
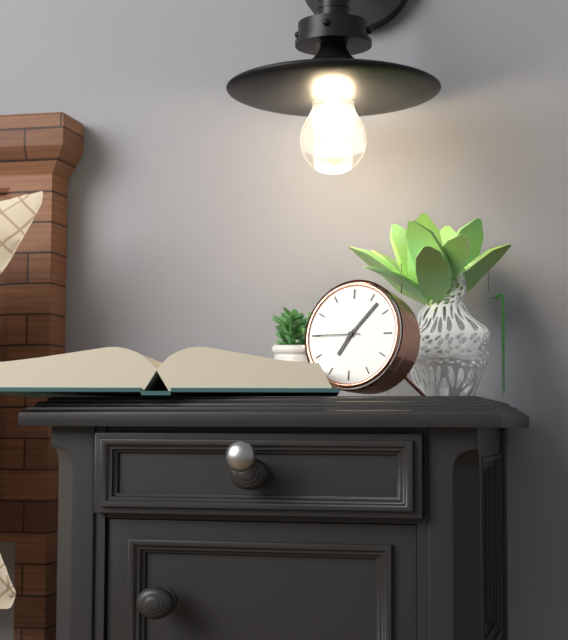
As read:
**7:07**
